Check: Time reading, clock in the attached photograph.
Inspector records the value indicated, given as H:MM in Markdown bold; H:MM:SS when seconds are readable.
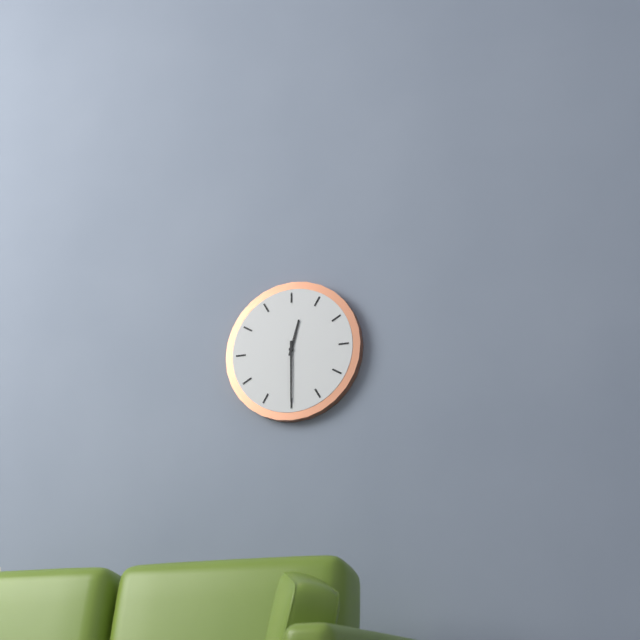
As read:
**12:30**
